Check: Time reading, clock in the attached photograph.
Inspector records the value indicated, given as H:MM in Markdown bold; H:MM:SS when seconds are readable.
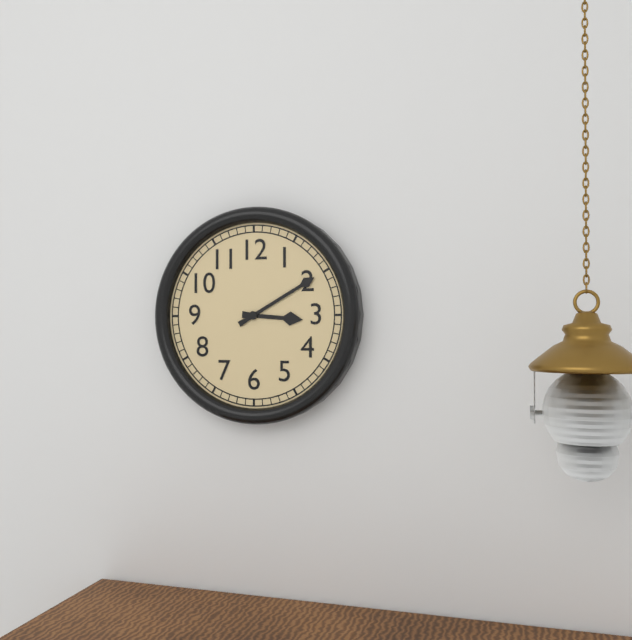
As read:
**3:10**
